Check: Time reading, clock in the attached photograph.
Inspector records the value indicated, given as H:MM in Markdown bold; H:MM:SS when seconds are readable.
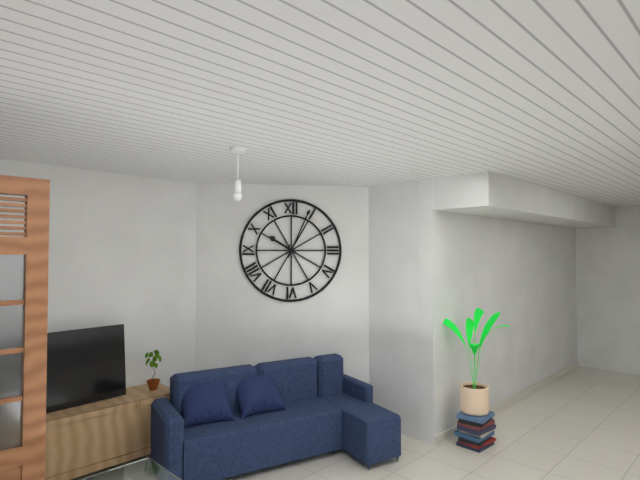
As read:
**10:04**
